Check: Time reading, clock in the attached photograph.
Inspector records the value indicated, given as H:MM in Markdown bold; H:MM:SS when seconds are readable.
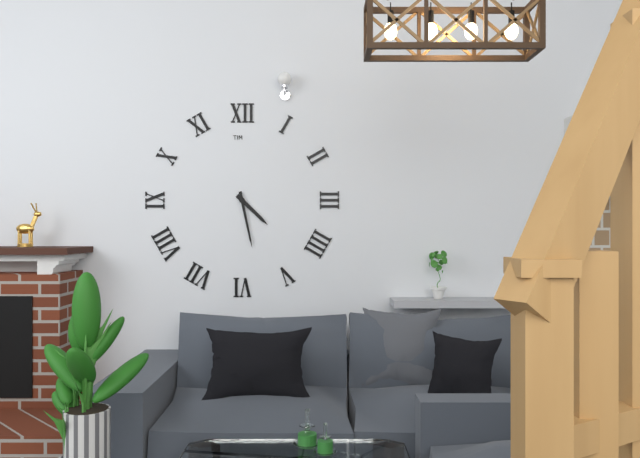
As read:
**4:28**
